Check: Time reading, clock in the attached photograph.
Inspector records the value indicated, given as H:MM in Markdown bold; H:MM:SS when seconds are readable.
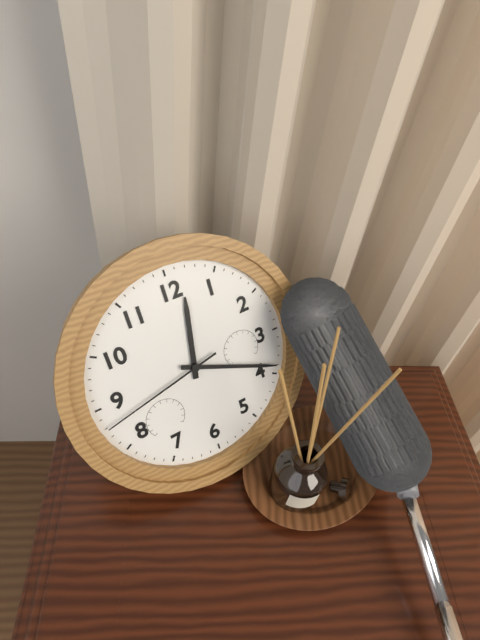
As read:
**12:19:43**
